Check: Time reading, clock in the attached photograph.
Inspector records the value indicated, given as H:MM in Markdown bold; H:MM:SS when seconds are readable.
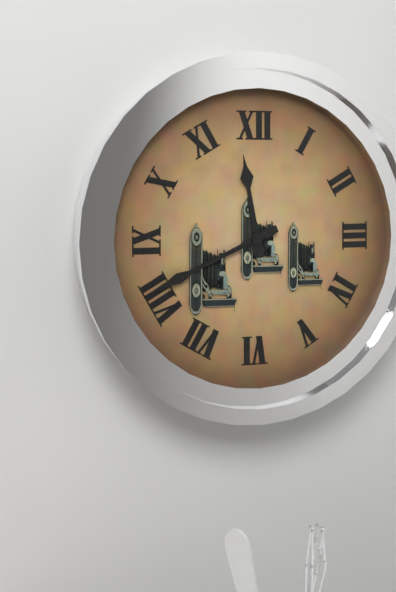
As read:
**11:41**
